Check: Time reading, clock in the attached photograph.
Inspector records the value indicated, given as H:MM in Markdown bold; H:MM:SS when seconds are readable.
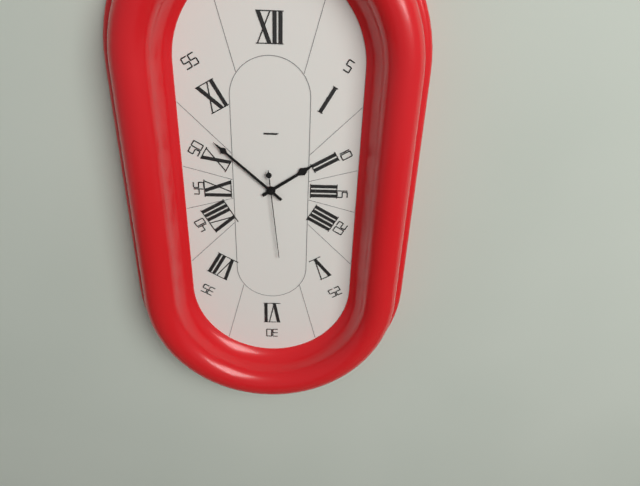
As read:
**1:52:29**
